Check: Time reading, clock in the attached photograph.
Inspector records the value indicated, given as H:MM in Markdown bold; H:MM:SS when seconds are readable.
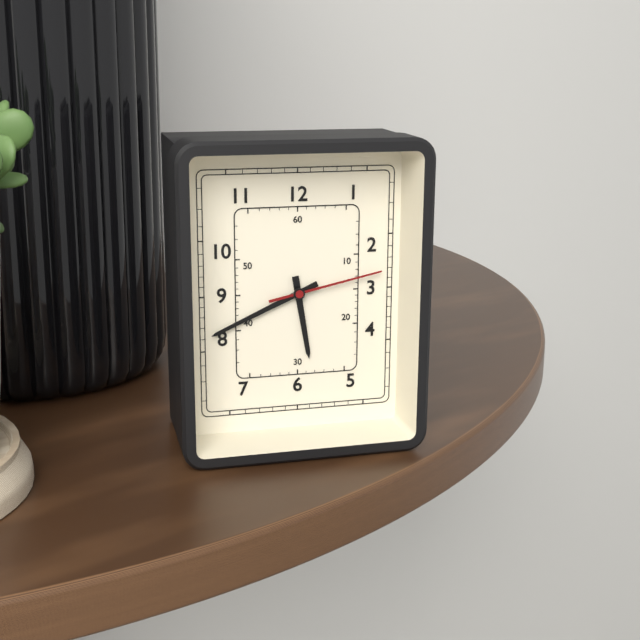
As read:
**5:41:13**
